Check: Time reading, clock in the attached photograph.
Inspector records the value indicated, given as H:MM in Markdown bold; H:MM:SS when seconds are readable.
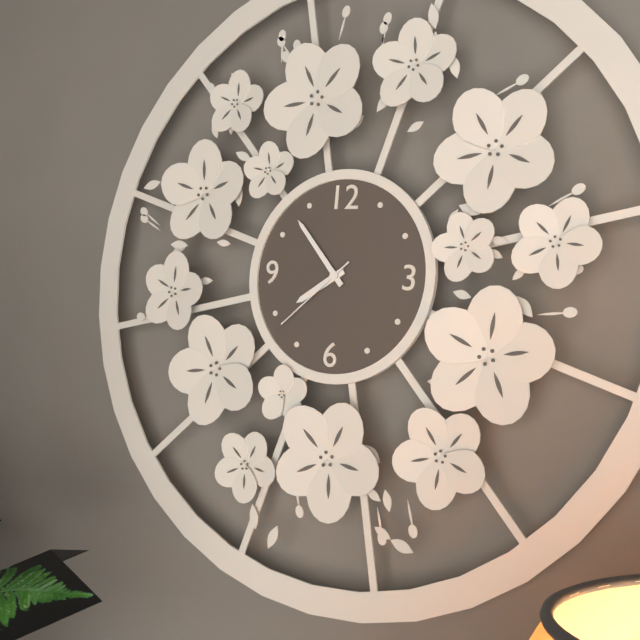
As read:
**7:53:38**
